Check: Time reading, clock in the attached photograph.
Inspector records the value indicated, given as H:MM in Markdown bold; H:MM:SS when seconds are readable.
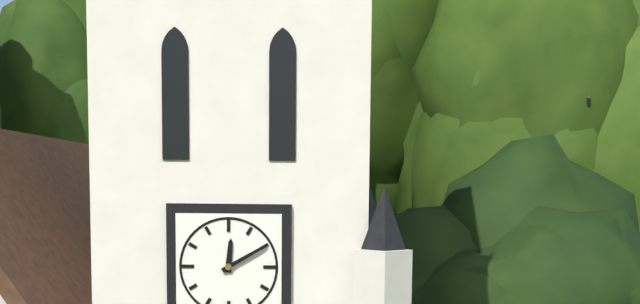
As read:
**12:10**
